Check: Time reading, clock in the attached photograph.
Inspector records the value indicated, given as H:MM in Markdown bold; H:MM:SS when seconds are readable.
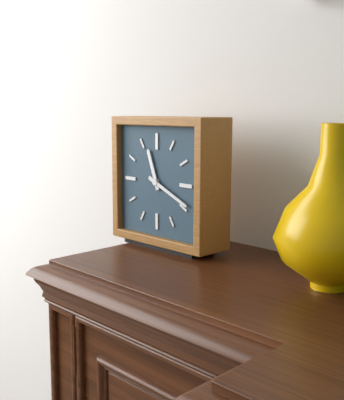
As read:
**11:19**
